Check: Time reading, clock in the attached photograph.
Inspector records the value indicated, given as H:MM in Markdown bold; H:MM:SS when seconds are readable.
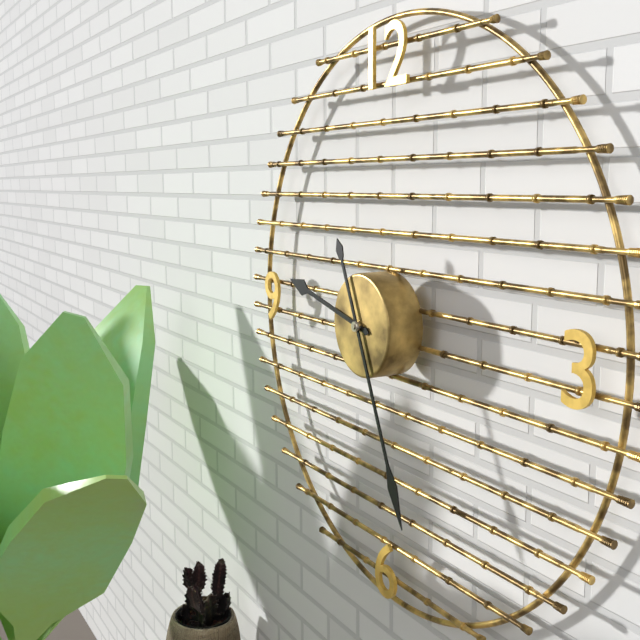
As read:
**9:26**
